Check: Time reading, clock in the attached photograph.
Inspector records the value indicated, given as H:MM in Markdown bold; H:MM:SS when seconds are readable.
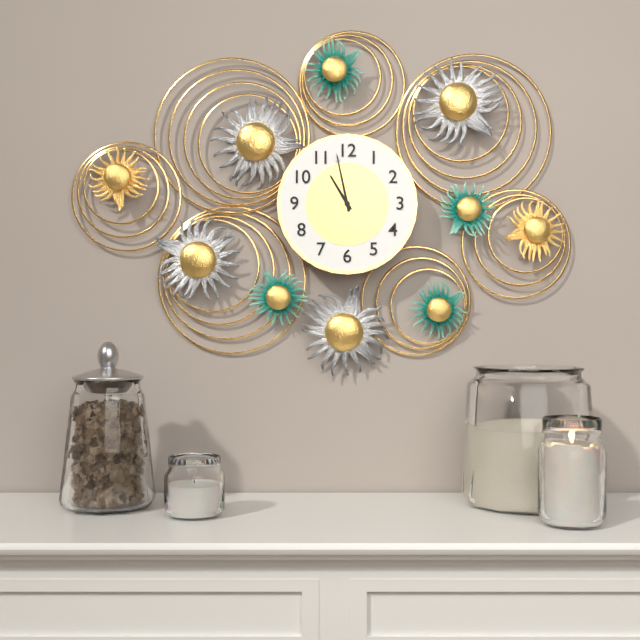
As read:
**10:58**
